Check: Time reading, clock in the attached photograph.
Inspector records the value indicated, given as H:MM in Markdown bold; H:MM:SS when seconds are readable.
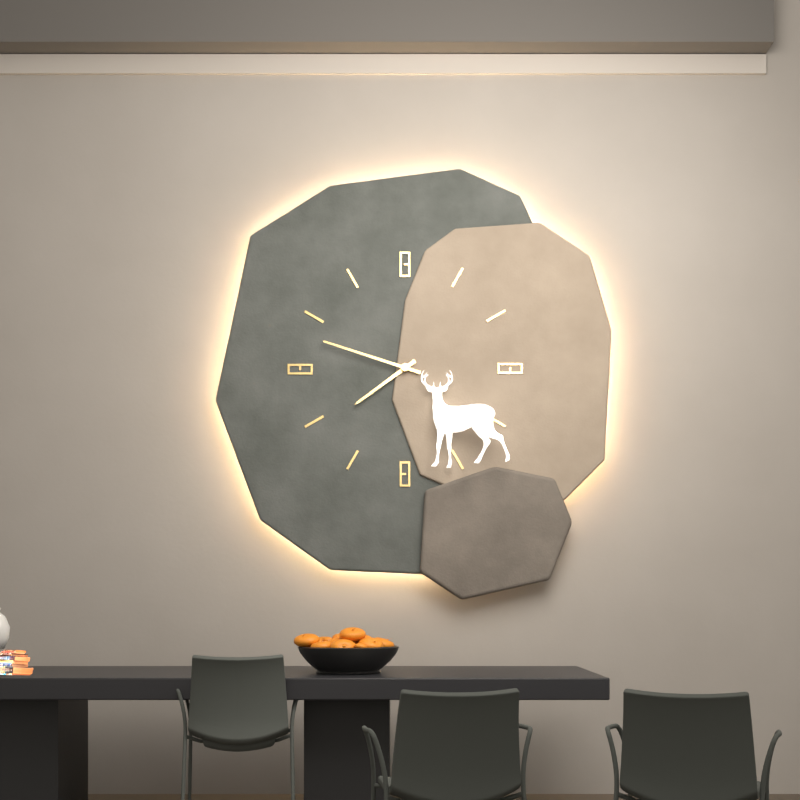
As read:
**7:48**
